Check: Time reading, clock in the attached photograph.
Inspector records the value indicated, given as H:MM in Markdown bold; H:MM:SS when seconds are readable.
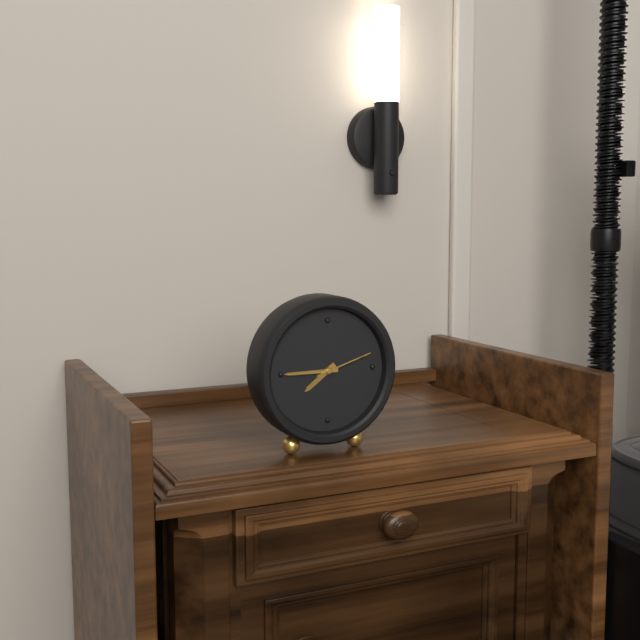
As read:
**7:45:12**
